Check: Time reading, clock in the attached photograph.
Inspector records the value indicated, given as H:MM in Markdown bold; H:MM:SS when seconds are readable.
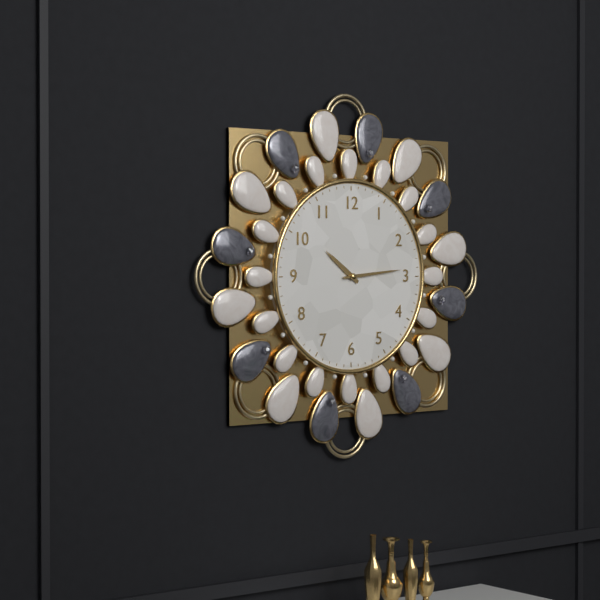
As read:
**10:14**
